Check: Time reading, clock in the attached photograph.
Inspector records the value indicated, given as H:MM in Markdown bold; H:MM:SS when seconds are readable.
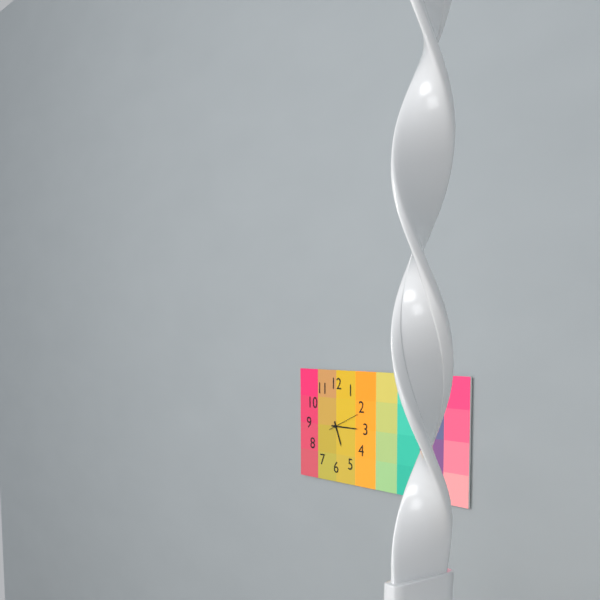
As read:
**5:15**
